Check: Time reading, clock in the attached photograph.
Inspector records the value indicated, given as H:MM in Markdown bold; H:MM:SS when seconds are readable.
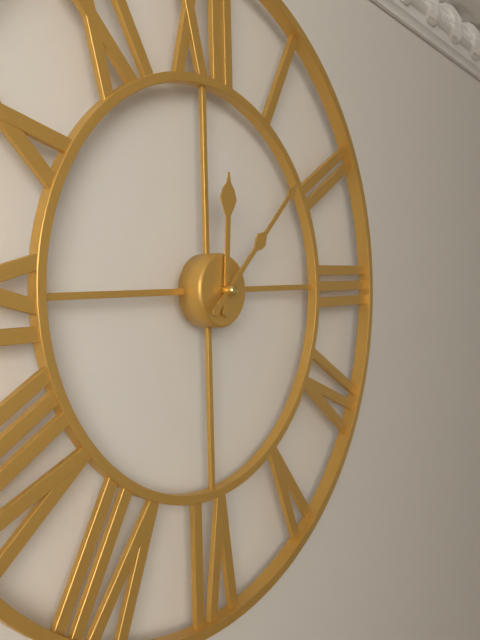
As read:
**12:08**
